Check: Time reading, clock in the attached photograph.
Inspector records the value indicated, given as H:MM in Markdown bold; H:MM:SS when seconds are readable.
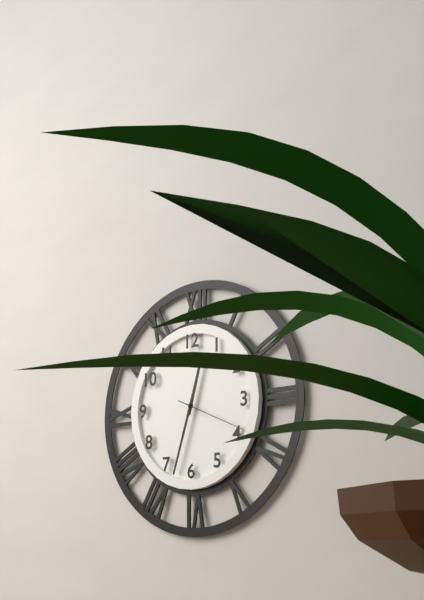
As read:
**12:33:19**
